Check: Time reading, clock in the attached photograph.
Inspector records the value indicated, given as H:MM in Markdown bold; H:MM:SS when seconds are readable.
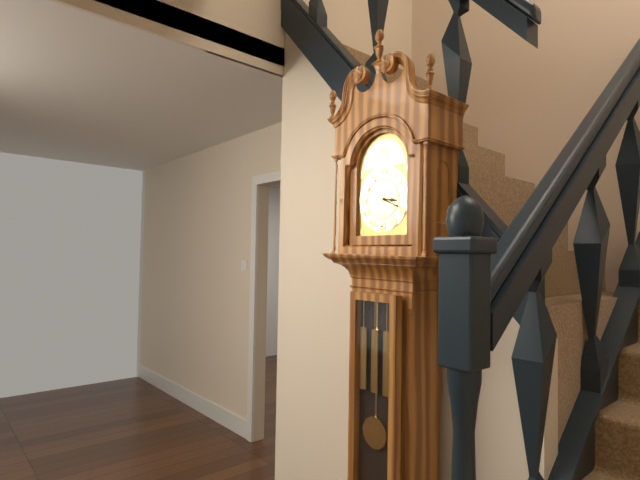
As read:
**3:19**
